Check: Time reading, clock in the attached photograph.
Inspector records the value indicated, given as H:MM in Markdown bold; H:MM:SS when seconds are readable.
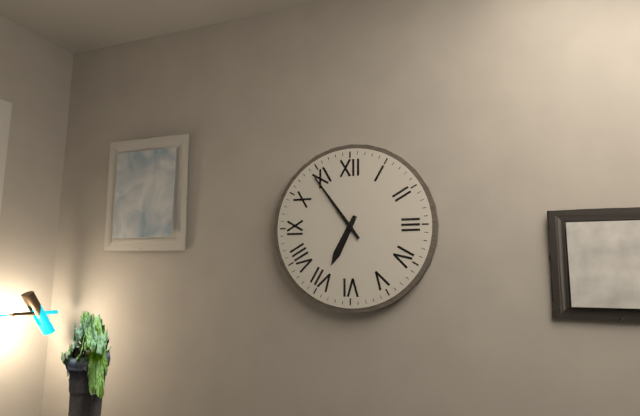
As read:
**6:54**
